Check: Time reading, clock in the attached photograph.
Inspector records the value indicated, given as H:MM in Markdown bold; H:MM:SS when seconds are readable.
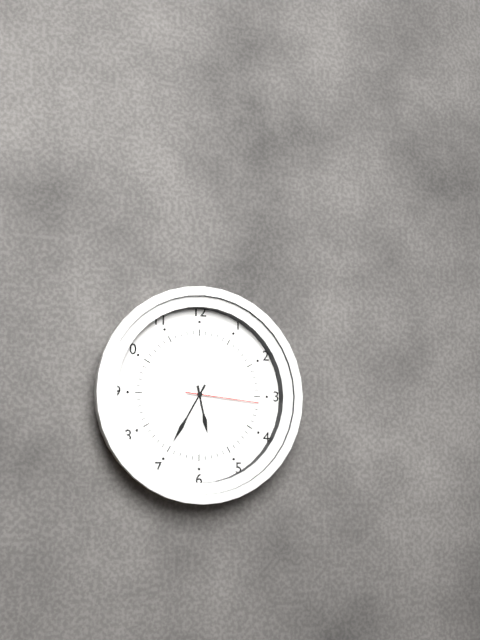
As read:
**5:35:16**
